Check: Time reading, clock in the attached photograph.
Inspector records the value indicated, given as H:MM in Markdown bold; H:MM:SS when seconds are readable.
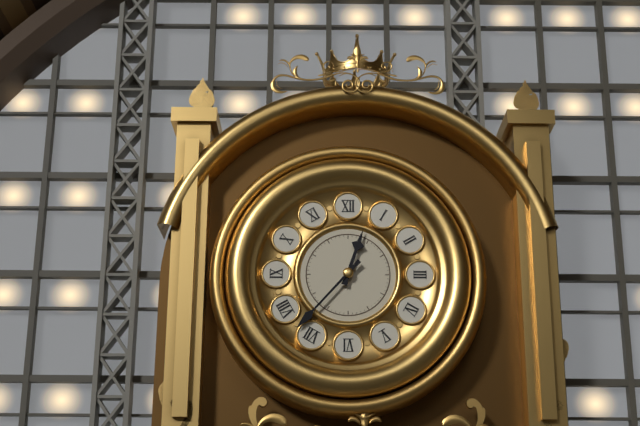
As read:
**12:37**
